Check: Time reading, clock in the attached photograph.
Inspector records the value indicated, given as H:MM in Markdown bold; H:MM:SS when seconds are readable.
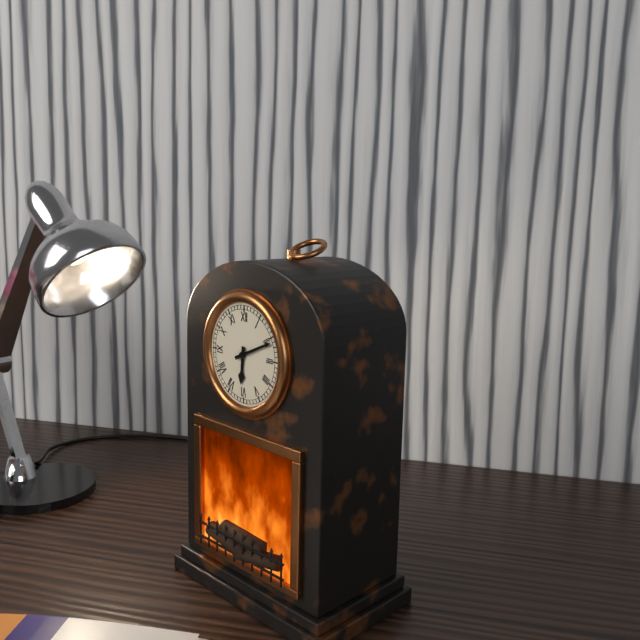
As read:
**6:11**
